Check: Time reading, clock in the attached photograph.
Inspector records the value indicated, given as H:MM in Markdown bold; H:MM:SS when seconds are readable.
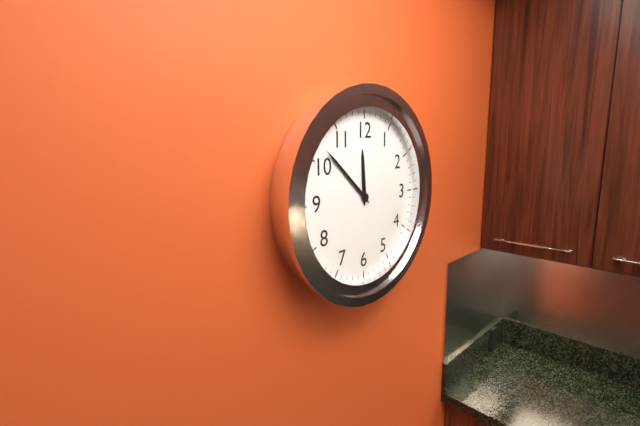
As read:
**11:52**
